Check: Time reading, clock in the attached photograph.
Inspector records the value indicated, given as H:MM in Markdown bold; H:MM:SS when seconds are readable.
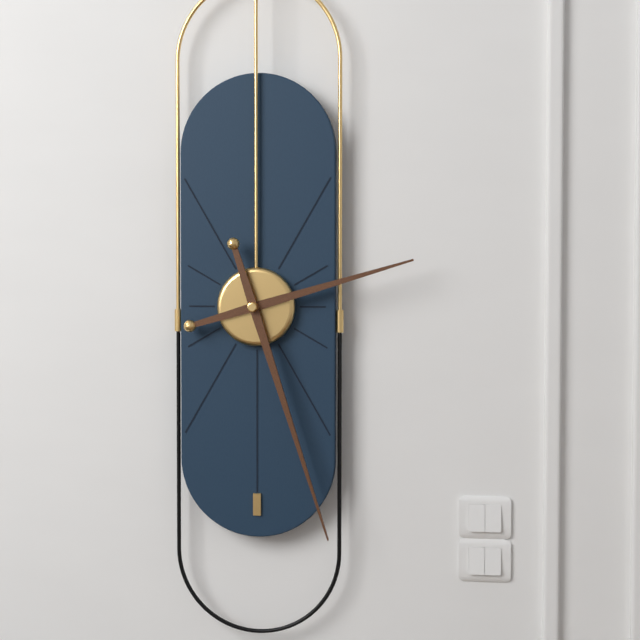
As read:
**2:27**
